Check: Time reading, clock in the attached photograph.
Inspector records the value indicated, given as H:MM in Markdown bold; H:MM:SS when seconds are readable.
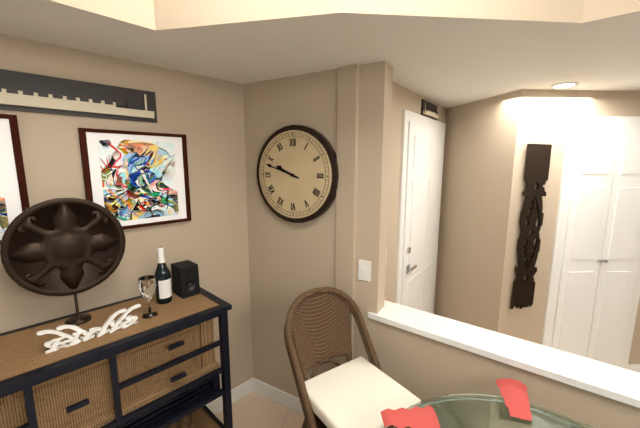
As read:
**9:48**
